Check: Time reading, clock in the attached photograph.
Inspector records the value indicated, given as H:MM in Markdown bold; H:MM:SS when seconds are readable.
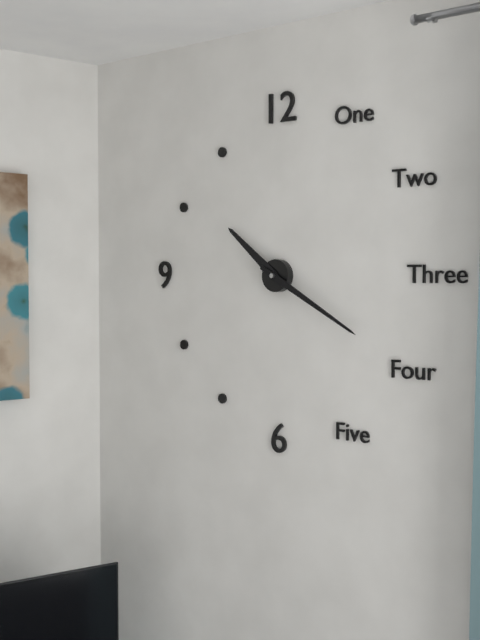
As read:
**10:20**
